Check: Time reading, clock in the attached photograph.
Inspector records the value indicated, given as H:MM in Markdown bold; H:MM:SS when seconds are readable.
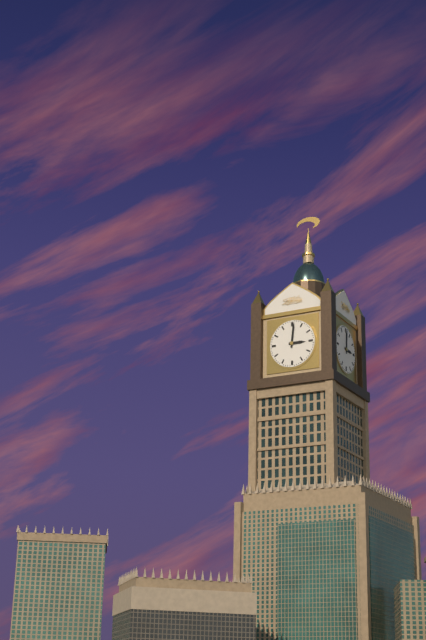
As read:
**3:01**
